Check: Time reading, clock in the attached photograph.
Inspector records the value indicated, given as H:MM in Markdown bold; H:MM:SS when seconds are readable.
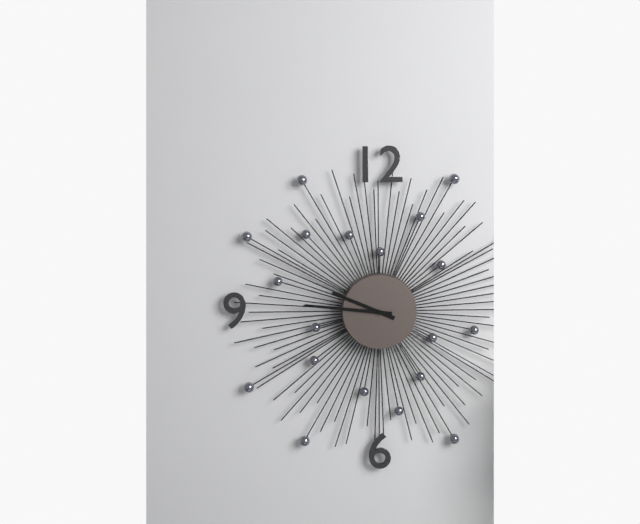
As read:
**9:46**
